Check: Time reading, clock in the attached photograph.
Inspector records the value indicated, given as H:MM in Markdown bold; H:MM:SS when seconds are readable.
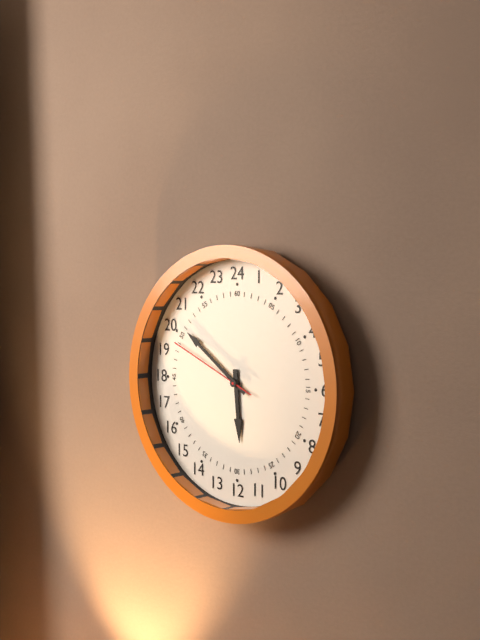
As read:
**5:51:49**
